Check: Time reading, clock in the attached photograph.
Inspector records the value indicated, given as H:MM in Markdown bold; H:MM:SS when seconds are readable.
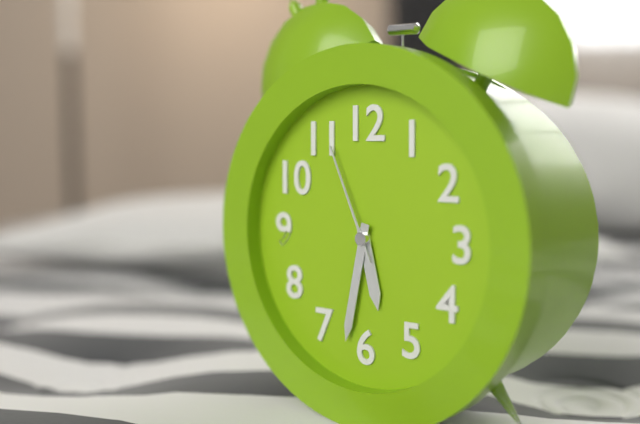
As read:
**5:32:56**
